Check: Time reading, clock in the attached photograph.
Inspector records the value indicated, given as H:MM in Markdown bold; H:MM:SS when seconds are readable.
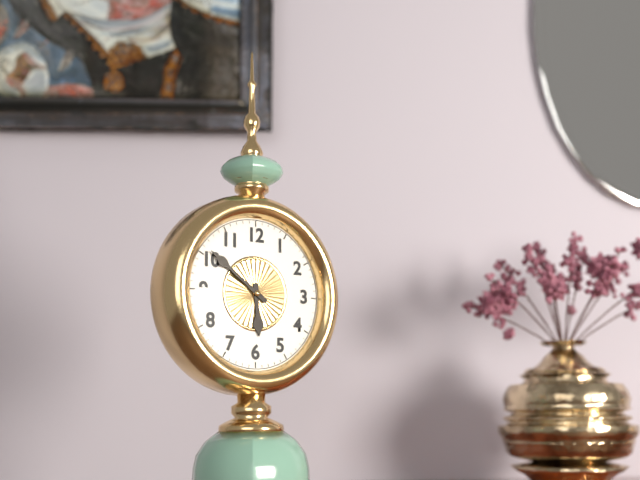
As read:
**5:51**
